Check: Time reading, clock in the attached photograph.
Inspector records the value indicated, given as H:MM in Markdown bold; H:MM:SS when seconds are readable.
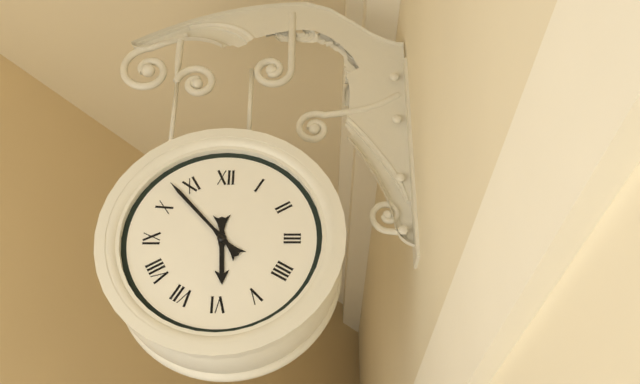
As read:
**5:53**
